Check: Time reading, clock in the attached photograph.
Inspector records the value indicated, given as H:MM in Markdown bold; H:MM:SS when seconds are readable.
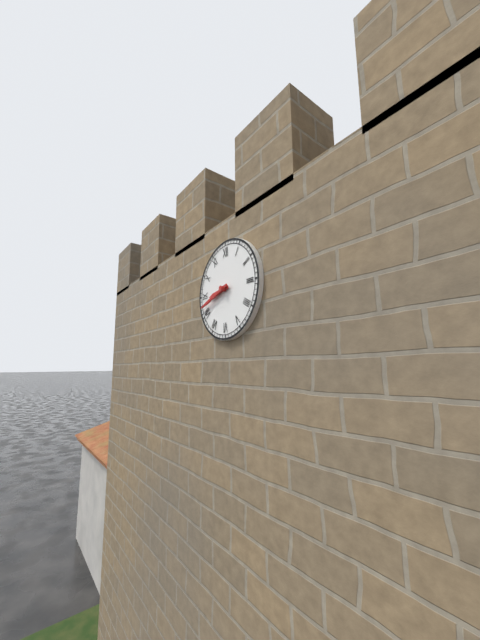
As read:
**8:42**
